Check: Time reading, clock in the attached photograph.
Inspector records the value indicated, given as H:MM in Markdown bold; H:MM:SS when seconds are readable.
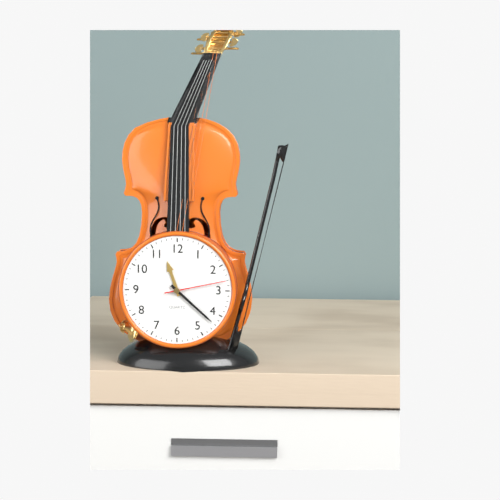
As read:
**11:22:13**
